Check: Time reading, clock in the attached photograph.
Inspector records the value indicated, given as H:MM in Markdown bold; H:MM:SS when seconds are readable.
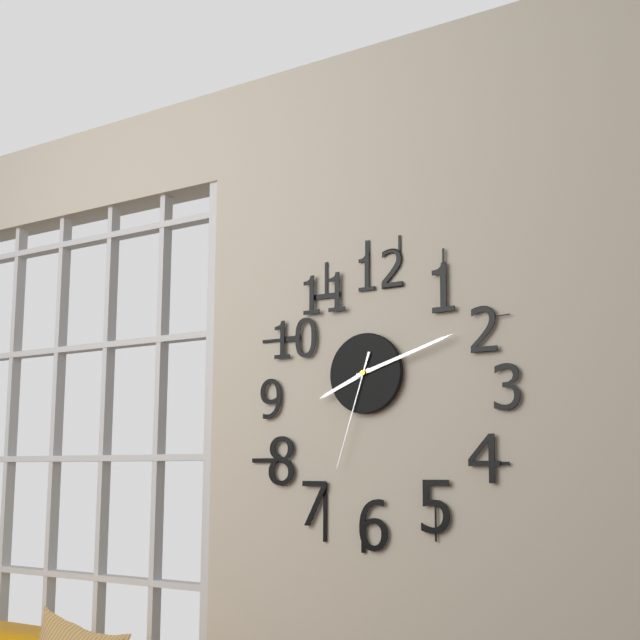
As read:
**8:12:33**
